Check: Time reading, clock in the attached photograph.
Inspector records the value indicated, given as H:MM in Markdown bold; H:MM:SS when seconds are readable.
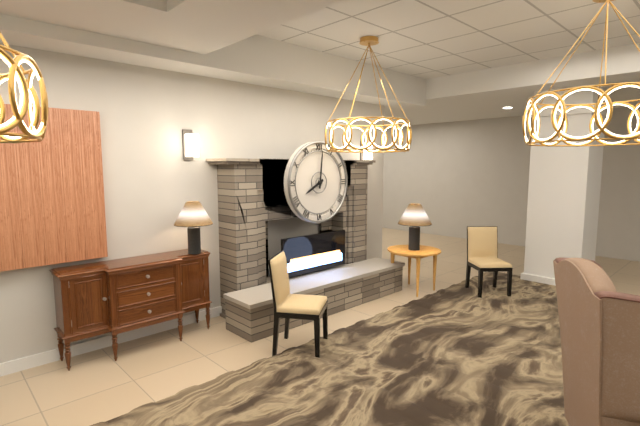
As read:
**8:01**
